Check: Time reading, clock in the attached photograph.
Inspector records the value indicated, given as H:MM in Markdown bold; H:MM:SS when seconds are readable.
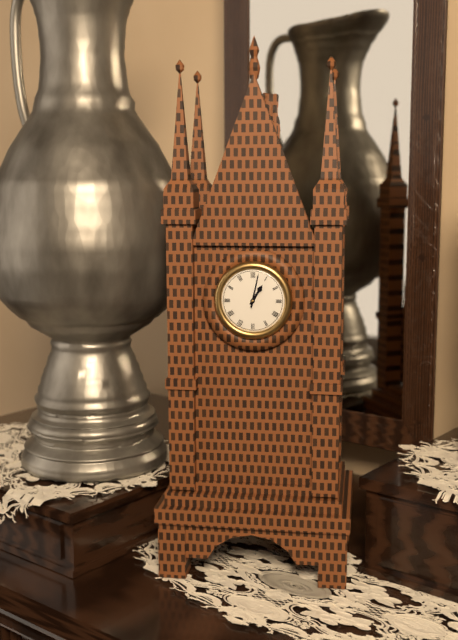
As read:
**1:02**
